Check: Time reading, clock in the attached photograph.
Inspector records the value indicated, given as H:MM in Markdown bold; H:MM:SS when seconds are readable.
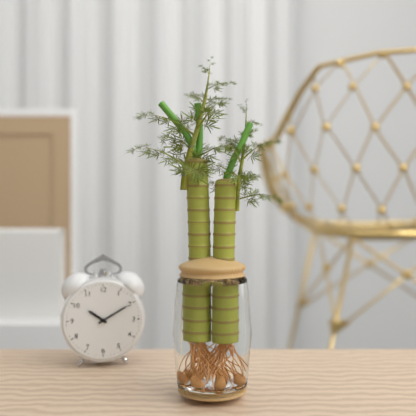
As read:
**10:10**
